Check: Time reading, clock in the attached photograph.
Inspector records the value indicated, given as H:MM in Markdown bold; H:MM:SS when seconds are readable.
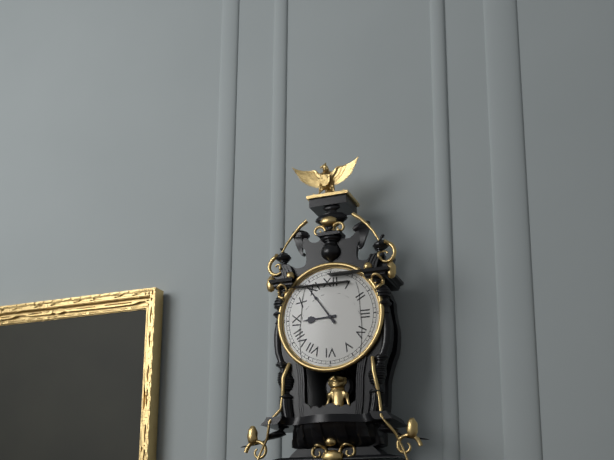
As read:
**8:54**
